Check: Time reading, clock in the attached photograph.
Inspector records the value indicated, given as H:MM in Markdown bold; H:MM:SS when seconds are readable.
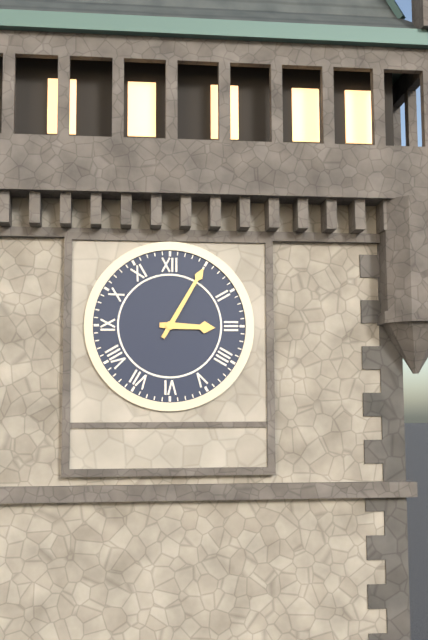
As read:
**3:05**
